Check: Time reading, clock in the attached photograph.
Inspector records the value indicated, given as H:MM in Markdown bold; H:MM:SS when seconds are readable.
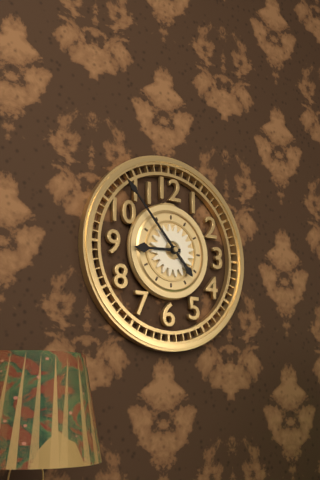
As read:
**8:53**
